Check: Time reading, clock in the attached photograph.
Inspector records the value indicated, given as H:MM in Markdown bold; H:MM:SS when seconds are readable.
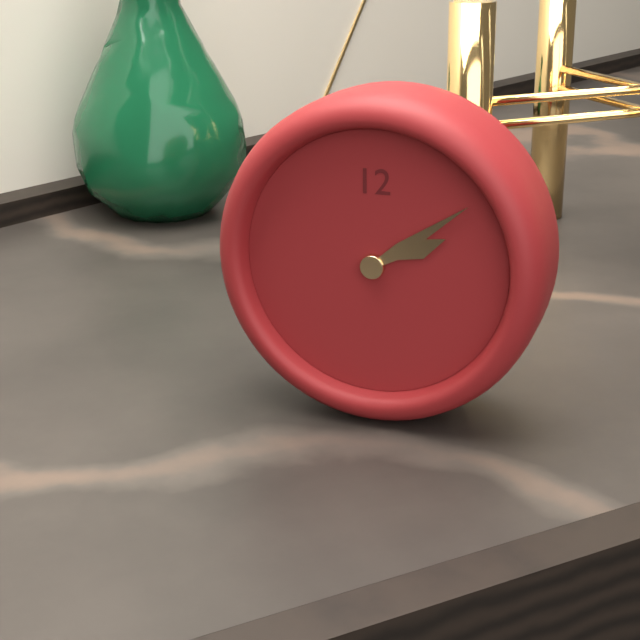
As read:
**2:09**
